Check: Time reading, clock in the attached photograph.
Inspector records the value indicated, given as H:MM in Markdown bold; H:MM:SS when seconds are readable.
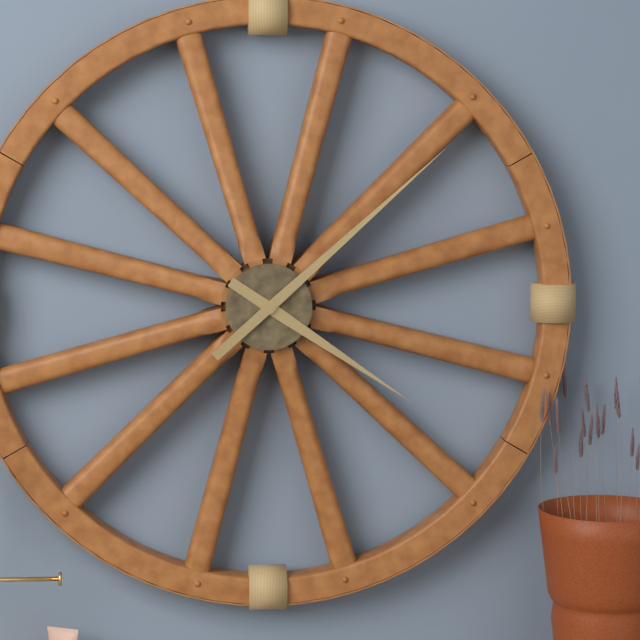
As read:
**4:08**
